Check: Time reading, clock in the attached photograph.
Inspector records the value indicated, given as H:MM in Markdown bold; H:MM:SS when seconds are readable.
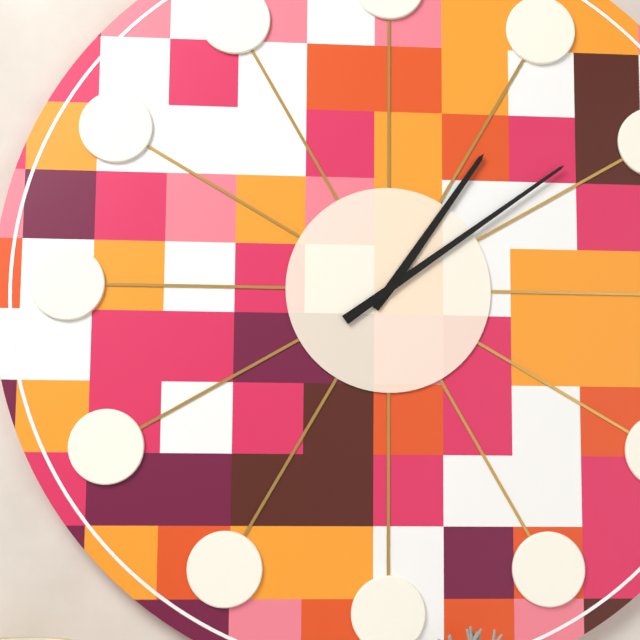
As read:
**1:09**
